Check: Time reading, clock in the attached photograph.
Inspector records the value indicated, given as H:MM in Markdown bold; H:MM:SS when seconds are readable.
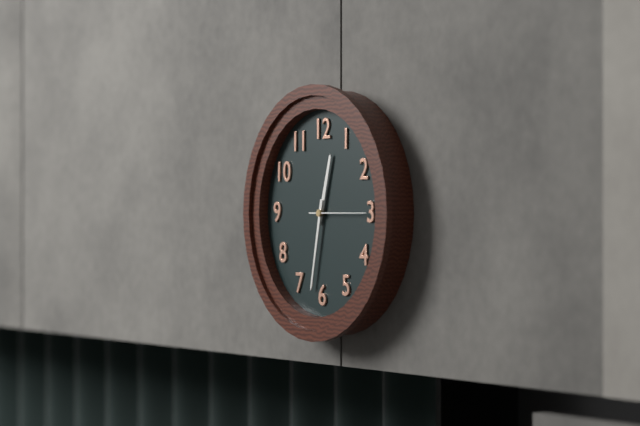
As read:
**12:32:15**
